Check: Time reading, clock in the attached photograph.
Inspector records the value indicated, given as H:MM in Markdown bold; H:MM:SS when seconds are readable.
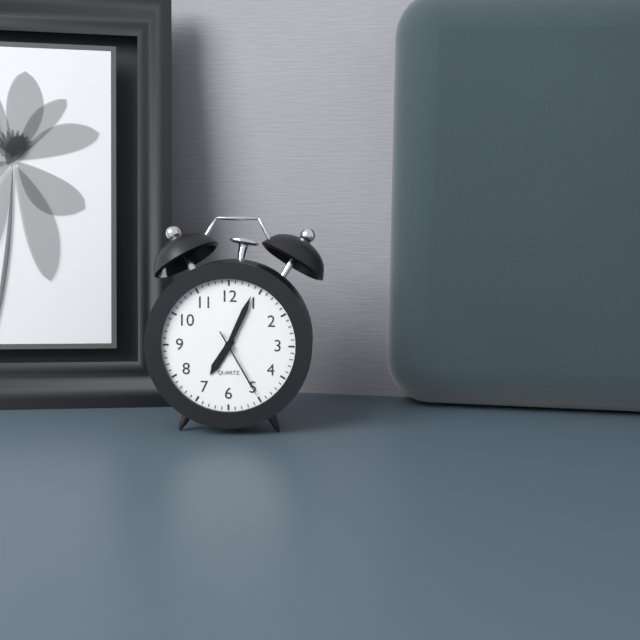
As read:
**7:04:25**
